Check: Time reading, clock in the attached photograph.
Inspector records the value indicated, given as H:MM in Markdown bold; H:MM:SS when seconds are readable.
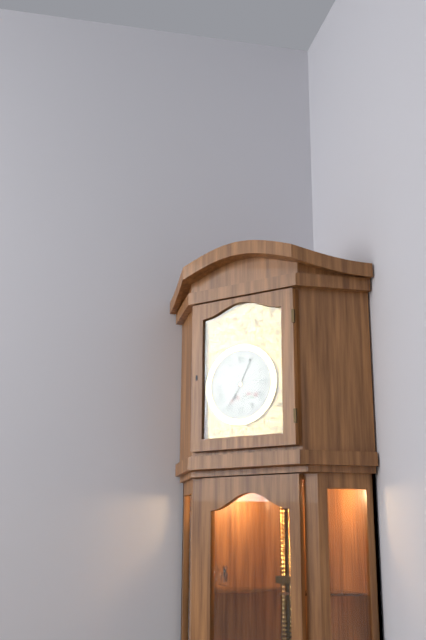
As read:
**7:04**
